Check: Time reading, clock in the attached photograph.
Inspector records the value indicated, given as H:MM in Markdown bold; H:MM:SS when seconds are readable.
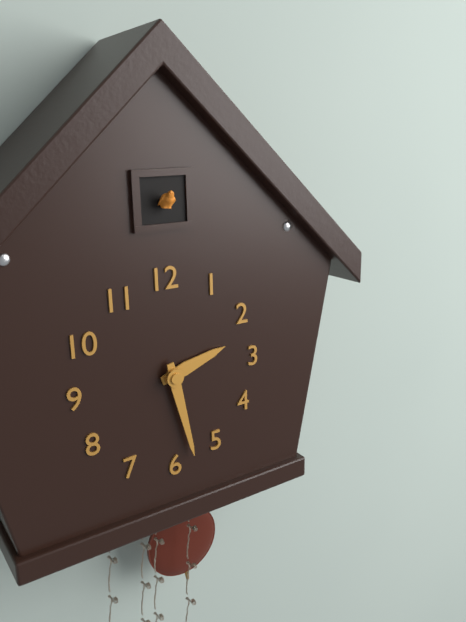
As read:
**2:28**
